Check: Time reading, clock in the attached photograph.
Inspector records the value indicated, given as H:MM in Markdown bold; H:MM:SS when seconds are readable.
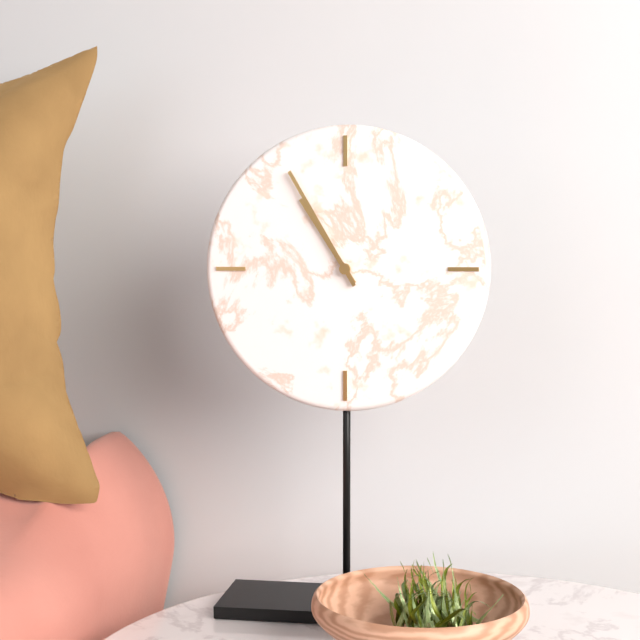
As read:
**10:55**
